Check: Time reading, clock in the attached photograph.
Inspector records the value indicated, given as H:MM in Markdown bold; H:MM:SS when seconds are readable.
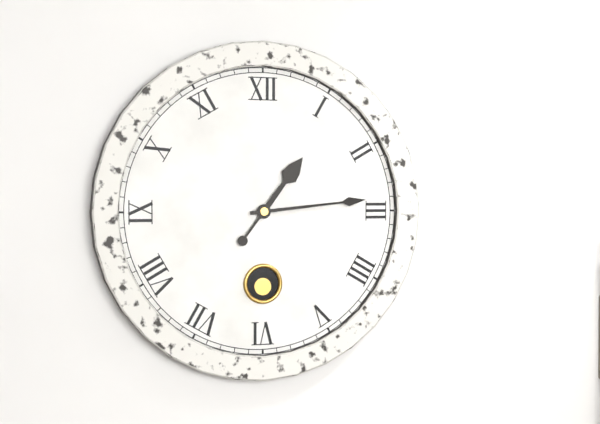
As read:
**1:14**
